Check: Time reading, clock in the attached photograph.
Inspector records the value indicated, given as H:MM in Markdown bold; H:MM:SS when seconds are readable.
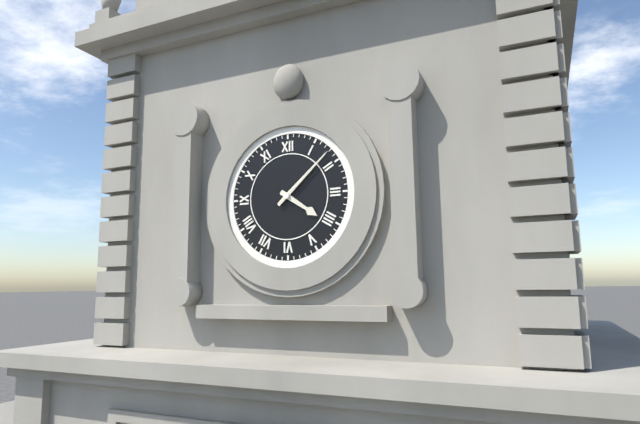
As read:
**4:08**
